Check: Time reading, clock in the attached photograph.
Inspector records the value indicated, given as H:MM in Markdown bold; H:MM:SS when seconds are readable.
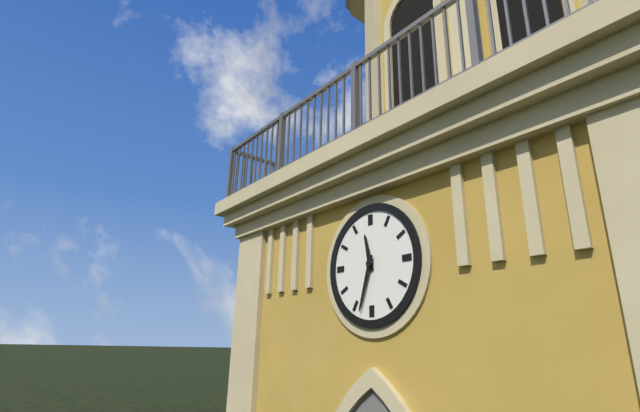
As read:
**11:33**
